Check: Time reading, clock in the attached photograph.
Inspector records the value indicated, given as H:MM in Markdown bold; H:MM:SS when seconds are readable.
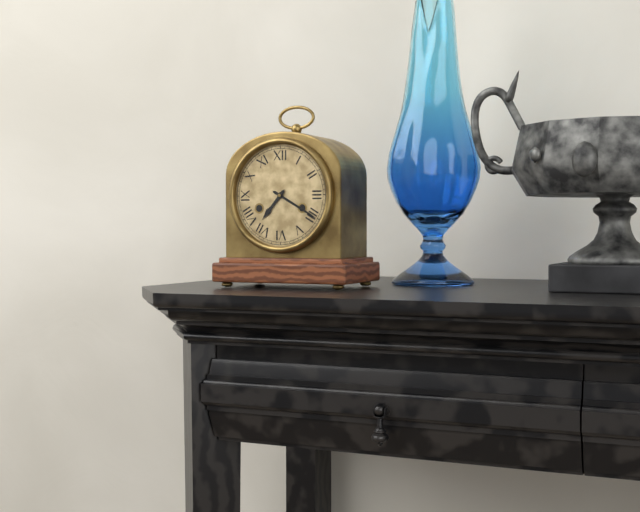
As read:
**7:20**
